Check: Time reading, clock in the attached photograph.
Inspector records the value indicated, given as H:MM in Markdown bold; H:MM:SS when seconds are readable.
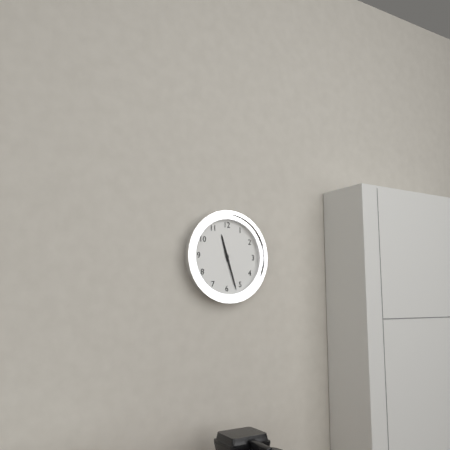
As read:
**11:27**
